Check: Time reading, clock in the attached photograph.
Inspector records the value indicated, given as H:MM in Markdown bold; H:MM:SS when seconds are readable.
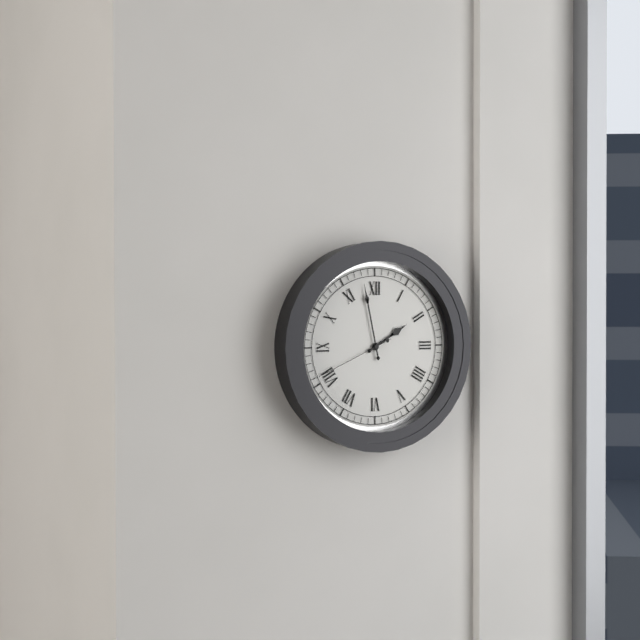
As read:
**1:58:41**
